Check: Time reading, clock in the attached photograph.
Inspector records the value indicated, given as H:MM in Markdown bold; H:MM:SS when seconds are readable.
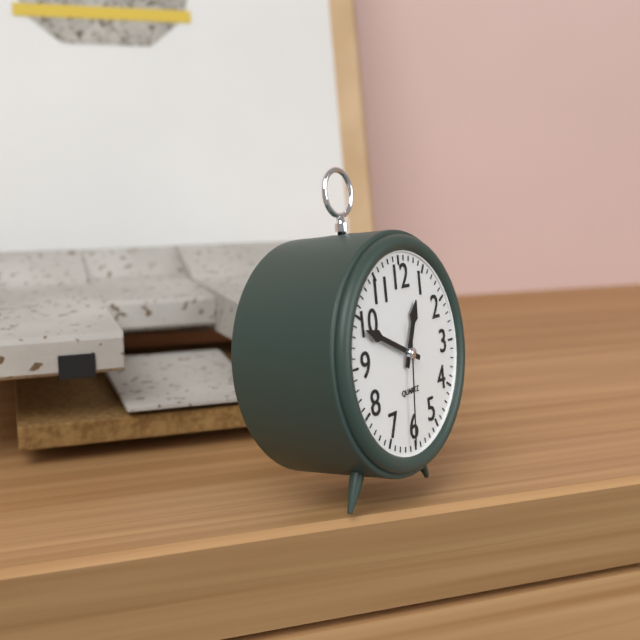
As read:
**12:49:31**
